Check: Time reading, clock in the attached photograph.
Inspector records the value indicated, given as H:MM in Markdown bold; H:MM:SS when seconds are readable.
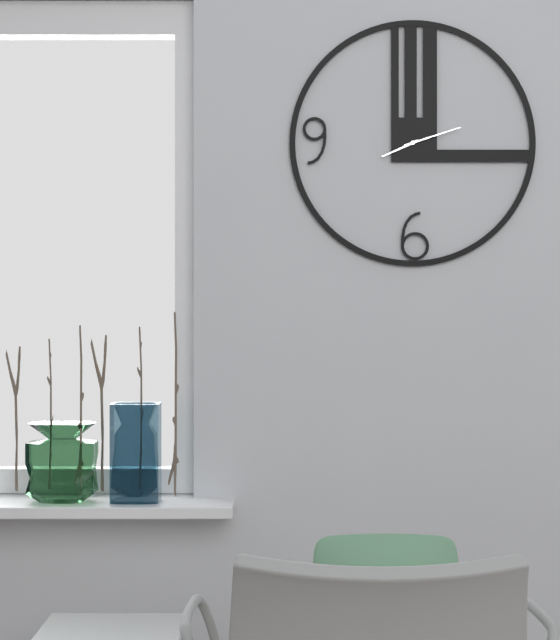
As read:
**8:12**
